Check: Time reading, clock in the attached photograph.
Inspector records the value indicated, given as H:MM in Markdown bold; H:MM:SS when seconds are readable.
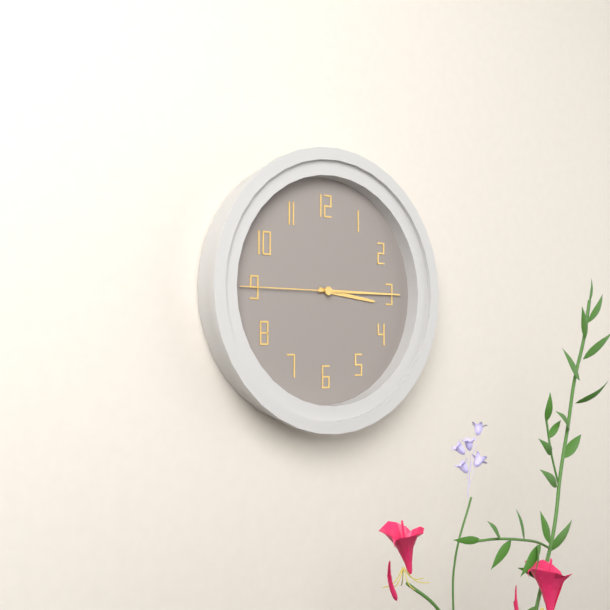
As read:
**3:15:45**
